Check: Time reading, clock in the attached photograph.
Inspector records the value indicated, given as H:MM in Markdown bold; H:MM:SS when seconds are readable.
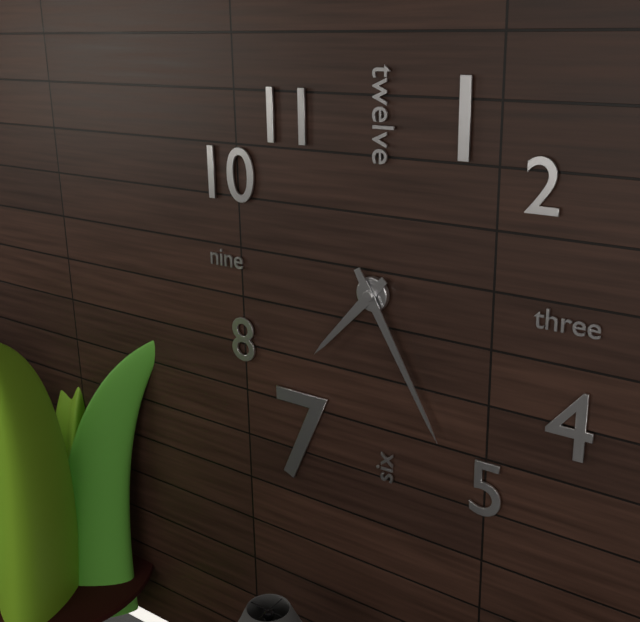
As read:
**7:25**
